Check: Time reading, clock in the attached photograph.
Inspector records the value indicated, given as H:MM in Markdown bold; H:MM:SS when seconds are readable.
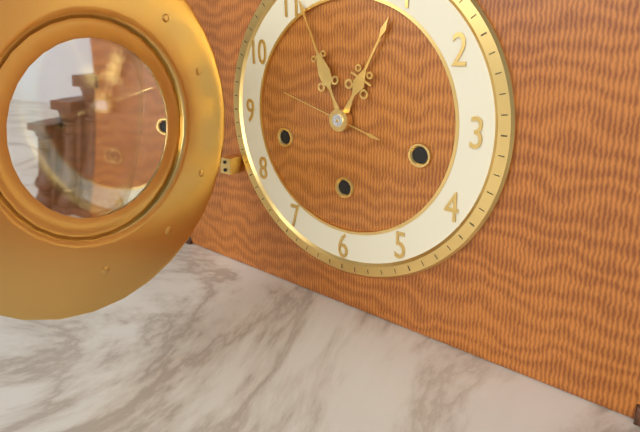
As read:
**12:56:48**
